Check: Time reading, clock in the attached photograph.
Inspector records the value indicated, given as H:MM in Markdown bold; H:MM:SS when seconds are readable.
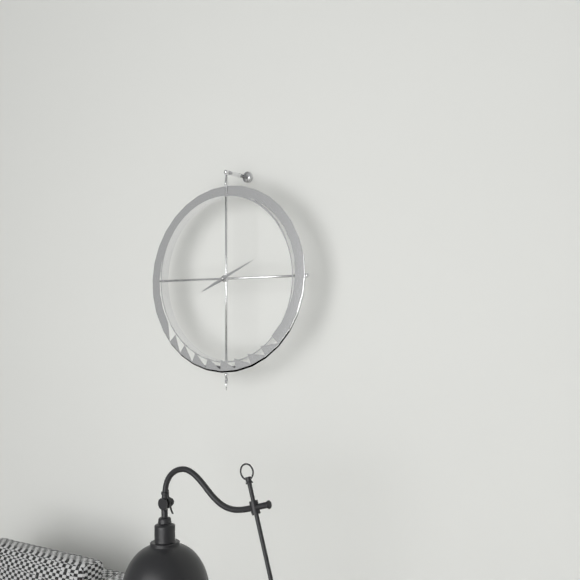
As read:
**8:11**
